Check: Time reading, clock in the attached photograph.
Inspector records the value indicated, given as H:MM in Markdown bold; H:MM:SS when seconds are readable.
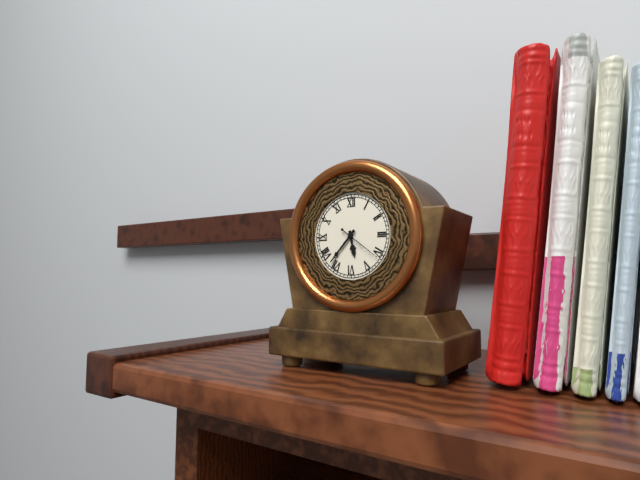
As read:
**5:37**
